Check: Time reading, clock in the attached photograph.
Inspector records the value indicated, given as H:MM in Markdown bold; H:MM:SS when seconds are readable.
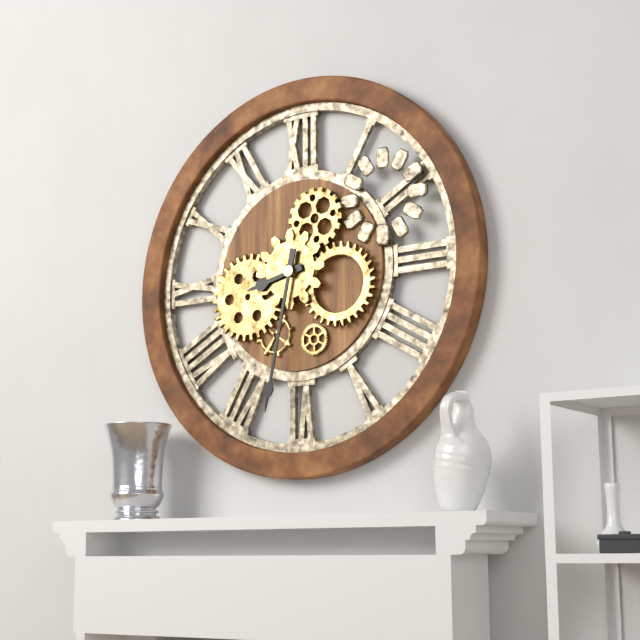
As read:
**8:32**
